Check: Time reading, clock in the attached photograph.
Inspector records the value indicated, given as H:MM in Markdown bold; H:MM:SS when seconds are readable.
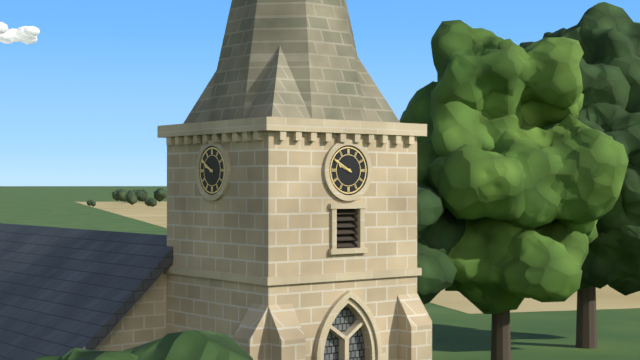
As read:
**9:50**
